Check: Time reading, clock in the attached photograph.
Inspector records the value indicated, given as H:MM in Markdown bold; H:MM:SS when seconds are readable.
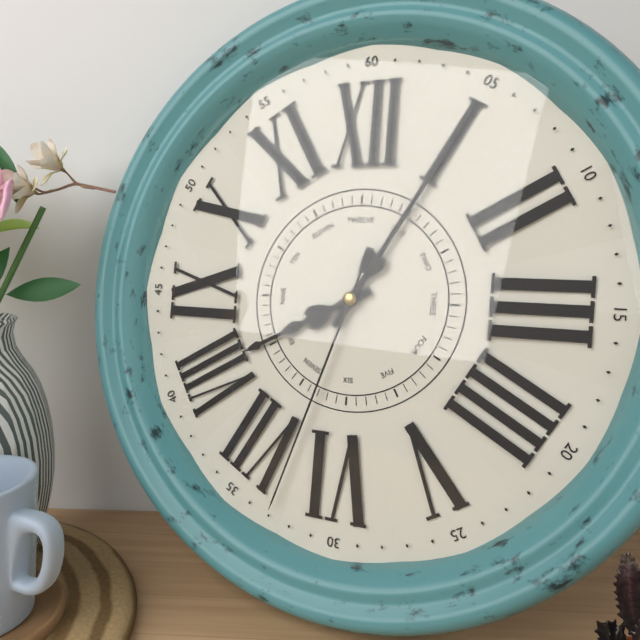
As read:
**8:05:33**
